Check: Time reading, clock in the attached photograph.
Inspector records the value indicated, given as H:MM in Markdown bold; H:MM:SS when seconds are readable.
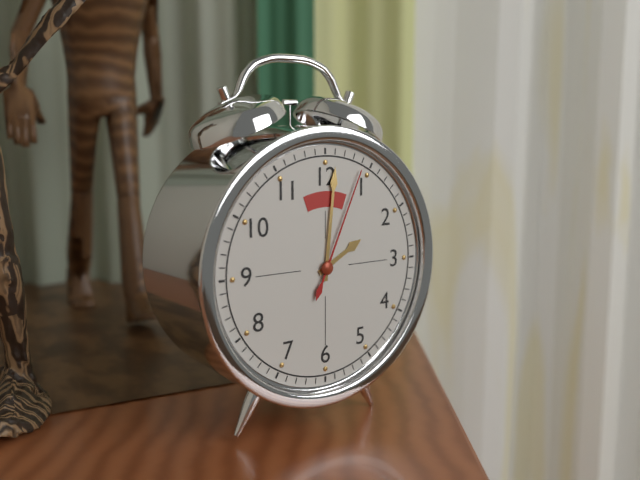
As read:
**2:01:04**
